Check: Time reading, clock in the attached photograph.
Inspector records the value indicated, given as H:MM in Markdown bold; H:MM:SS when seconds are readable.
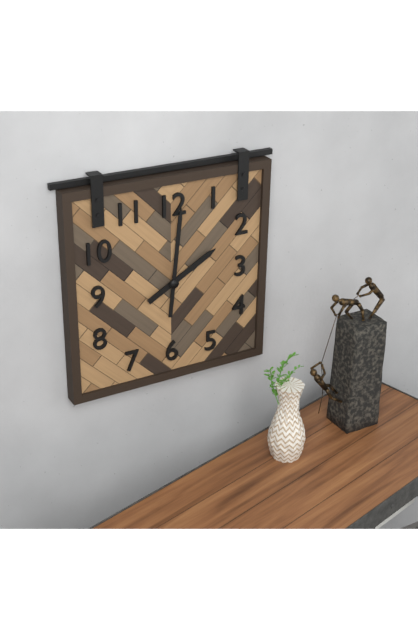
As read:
**2:01**
